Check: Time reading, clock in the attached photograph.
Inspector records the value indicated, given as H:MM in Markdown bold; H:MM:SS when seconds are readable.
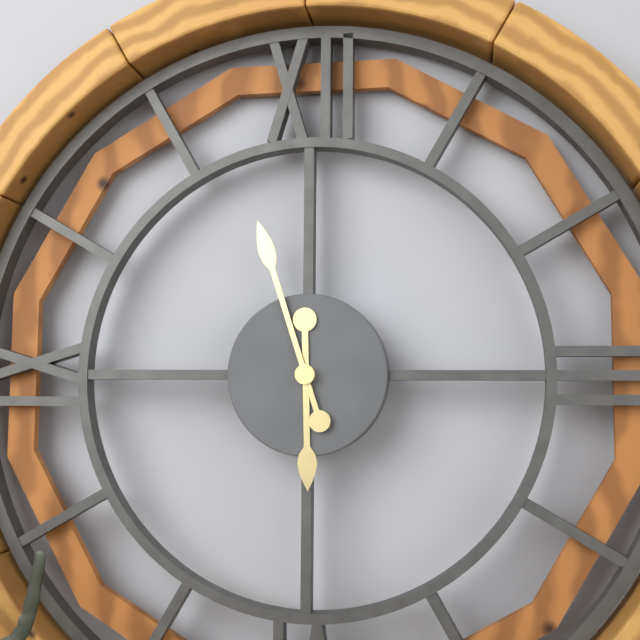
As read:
**5:57**
